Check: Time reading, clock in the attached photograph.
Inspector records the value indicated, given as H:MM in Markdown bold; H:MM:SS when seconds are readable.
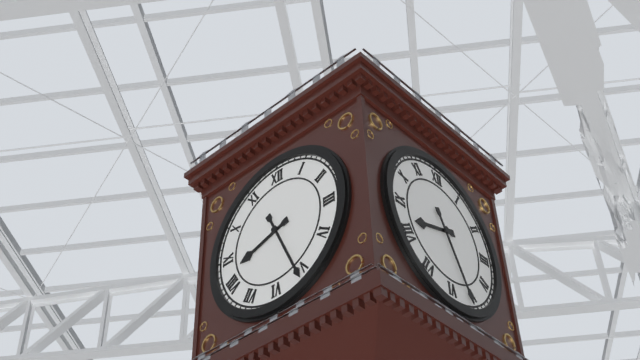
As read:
**8:26**
